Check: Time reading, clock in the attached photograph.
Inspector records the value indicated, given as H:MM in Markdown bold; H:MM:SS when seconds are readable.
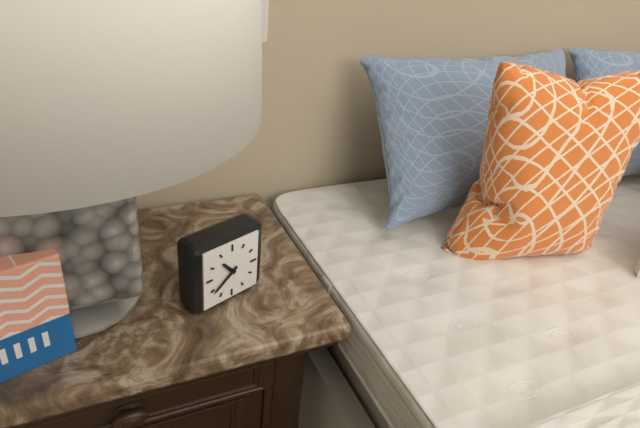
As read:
**10:39**
